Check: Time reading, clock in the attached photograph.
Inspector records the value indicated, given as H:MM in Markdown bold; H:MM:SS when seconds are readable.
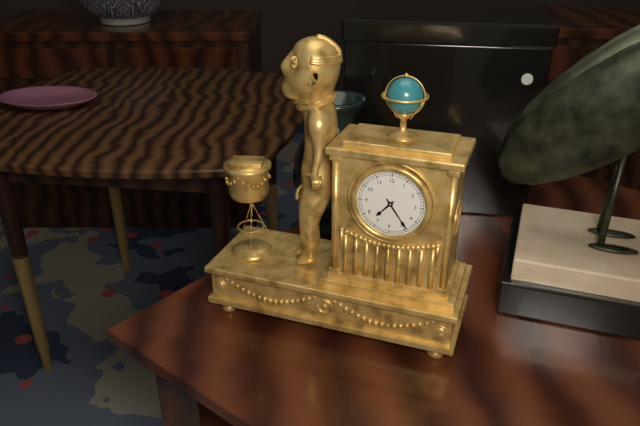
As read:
**7:24**
